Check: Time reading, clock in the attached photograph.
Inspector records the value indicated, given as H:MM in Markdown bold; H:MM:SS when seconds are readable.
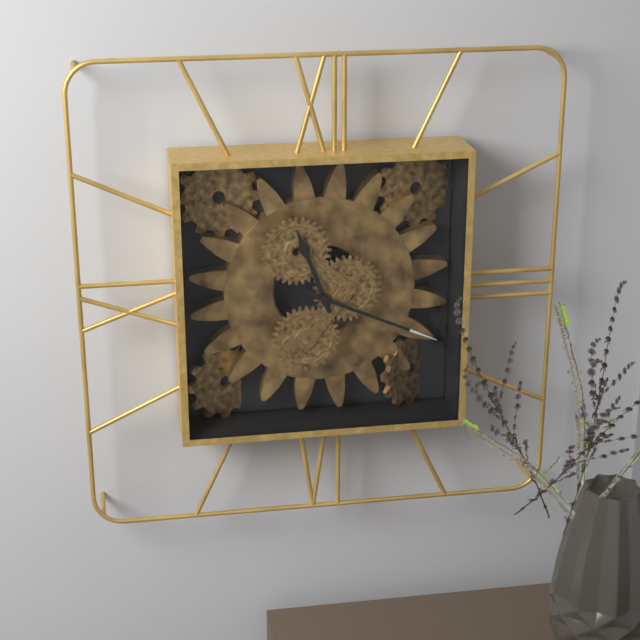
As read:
**11:19**
